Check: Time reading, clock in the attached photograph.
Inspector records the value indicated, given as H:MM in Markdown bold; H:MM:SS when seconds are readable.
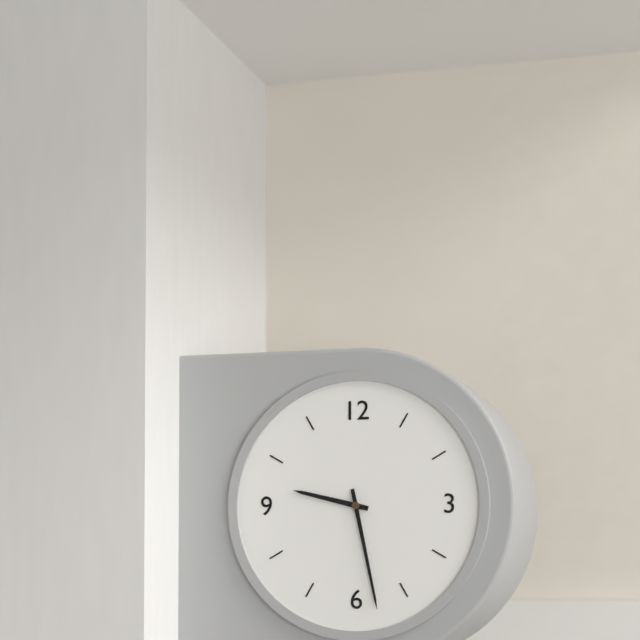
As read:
**9:28**
